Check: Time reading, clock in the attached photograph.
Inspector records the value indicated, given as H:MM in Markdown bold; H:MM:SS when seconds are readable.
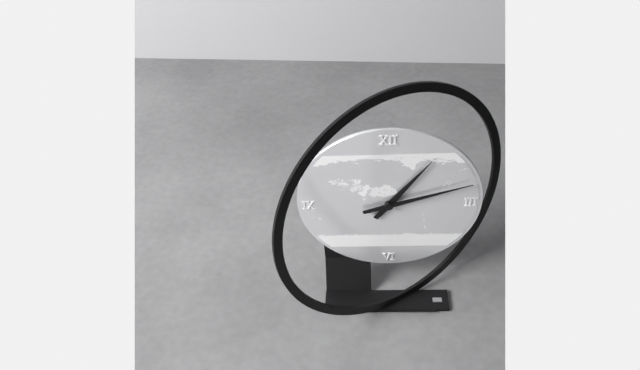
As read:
**1:12**
